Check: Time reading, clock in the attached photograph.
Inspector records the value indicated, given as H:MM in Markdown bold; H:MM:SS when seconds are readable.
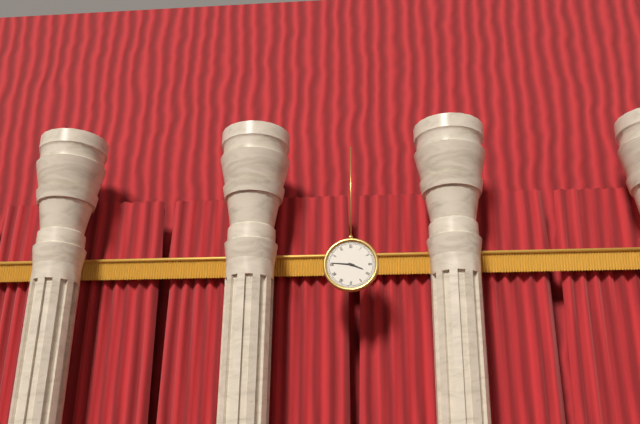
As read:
**3:46**
